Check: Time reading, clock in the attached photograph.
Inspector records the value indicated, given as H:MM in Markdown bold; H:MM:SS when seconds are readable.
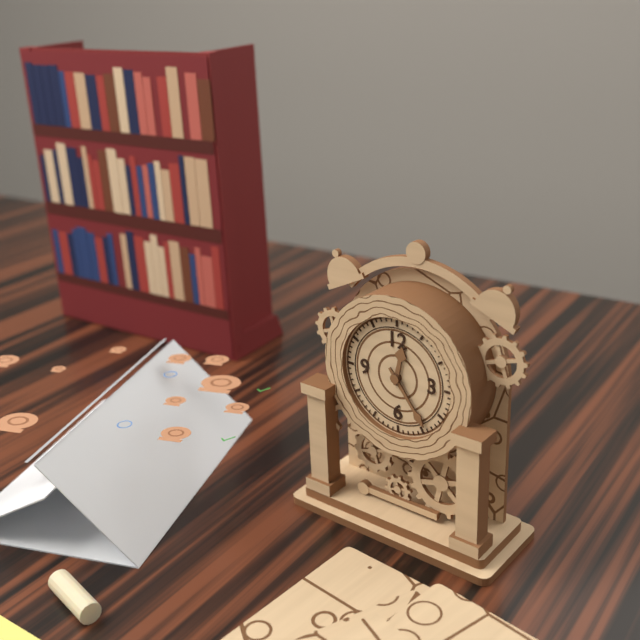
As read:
**12:24**
